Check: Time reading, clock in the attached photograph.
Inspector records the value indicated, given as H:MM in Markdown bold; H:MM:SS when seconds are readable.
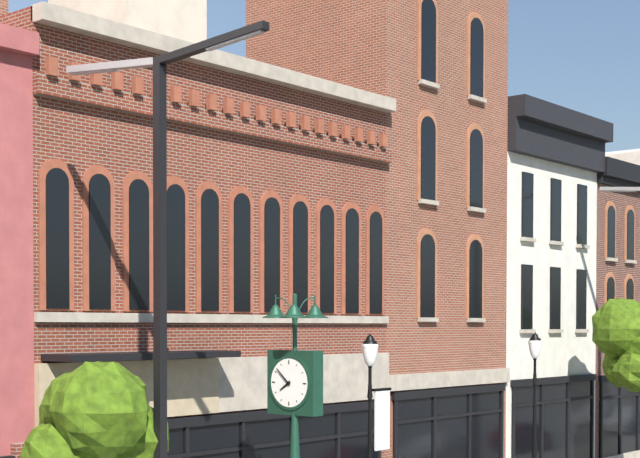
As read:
**7:52**
